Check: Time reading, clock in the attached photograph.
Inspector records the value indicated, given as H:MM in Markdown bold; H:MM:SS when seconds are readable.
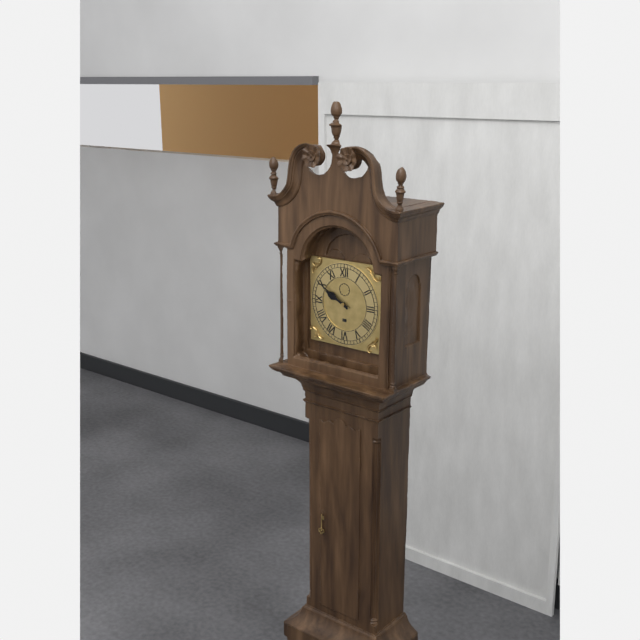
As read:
**9:50**
